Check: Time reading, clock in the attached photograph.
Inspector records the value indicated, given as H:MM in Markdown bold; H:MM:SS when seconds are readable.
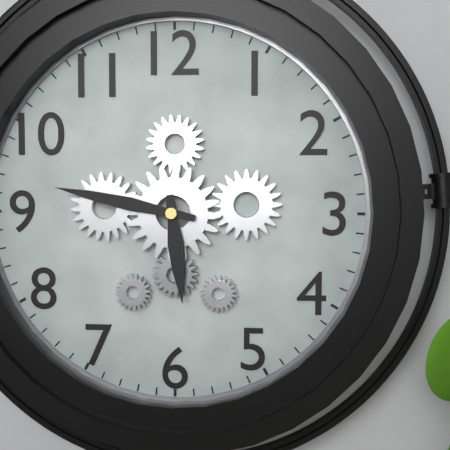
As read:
**5:47**
